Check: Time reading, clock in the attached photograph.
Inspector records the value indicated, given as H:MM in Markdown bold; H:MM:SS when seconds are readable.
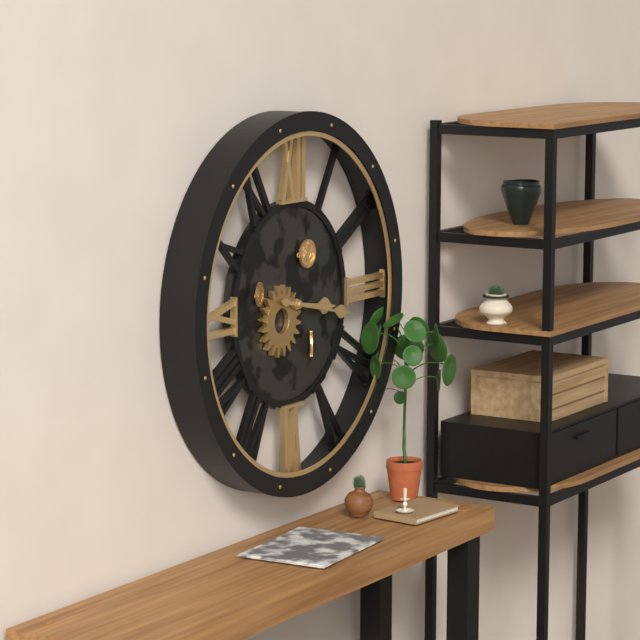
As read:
**3:17**
